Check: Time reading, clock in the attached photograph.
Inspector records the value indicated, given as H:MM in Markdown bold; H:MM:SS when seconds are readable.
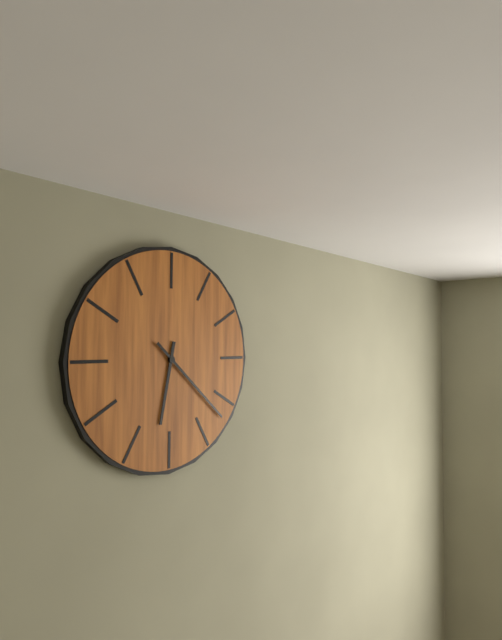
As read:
**6:22**
